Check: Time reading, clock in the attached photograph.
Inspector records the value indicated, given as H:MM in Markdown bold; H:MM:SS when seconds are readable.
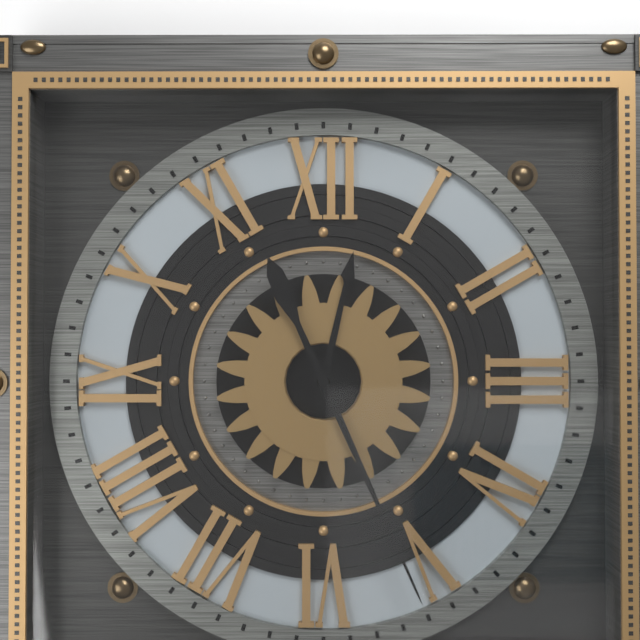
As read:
**12:26**
